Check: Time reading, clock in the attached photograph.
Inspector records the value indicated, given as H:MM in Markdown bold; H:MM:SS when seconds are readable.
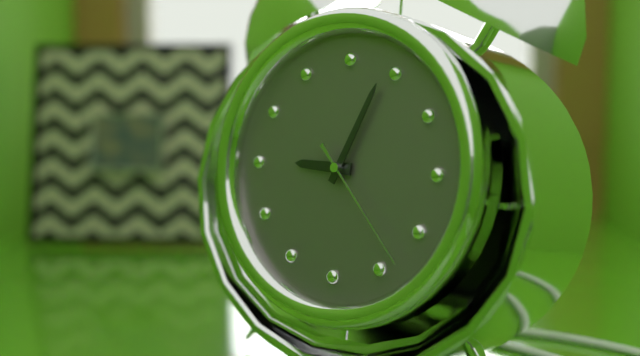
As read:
**9:04:23**
